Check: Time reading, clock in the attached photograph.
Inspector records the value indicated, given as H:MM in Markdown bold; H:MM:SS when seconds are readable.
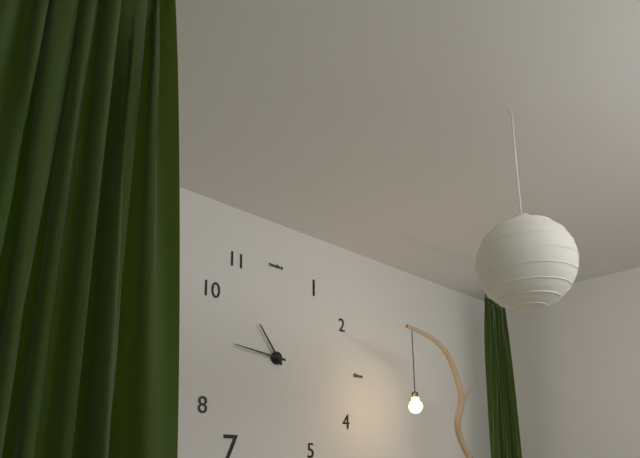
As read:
**10:46**
